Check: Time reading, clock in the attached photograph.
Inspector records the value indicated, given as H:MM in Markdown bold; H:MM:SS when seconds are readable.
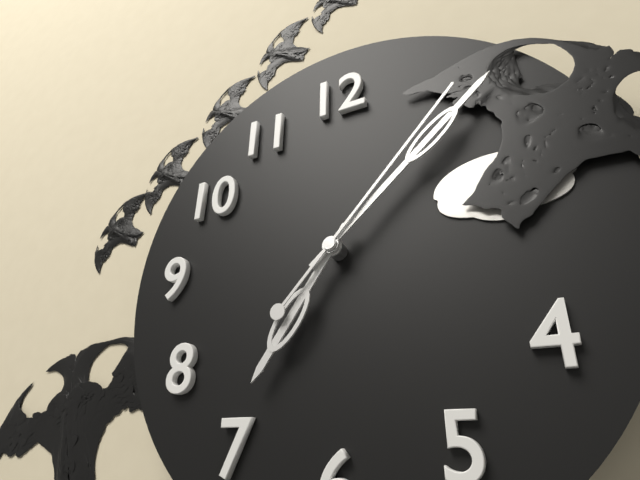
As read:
**7:08:07**
